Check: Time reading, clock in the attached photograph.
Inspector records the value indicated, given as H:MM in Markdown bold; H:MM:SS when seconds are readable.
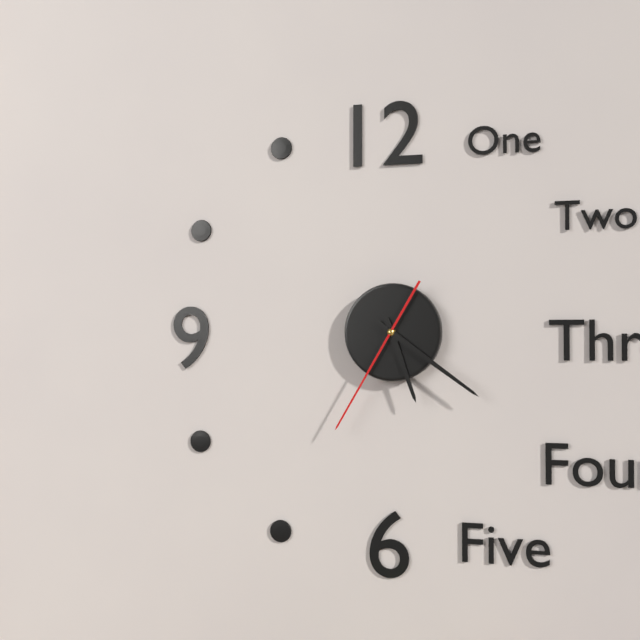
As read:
**5:21:35**
